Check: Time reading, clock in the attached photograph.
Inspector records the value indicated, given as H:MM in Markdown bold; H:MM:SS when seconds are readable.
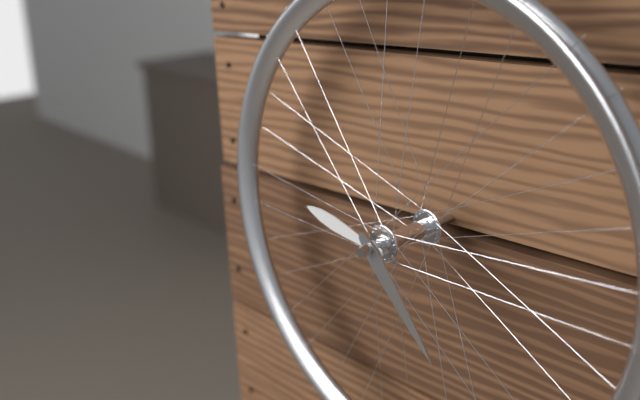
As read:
**9:23**
